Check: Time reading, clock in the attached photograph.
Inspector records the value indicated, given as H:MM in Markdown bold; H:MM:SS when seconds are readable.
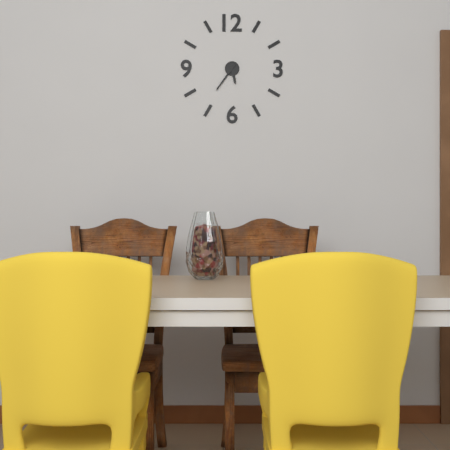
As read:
**5:36**
